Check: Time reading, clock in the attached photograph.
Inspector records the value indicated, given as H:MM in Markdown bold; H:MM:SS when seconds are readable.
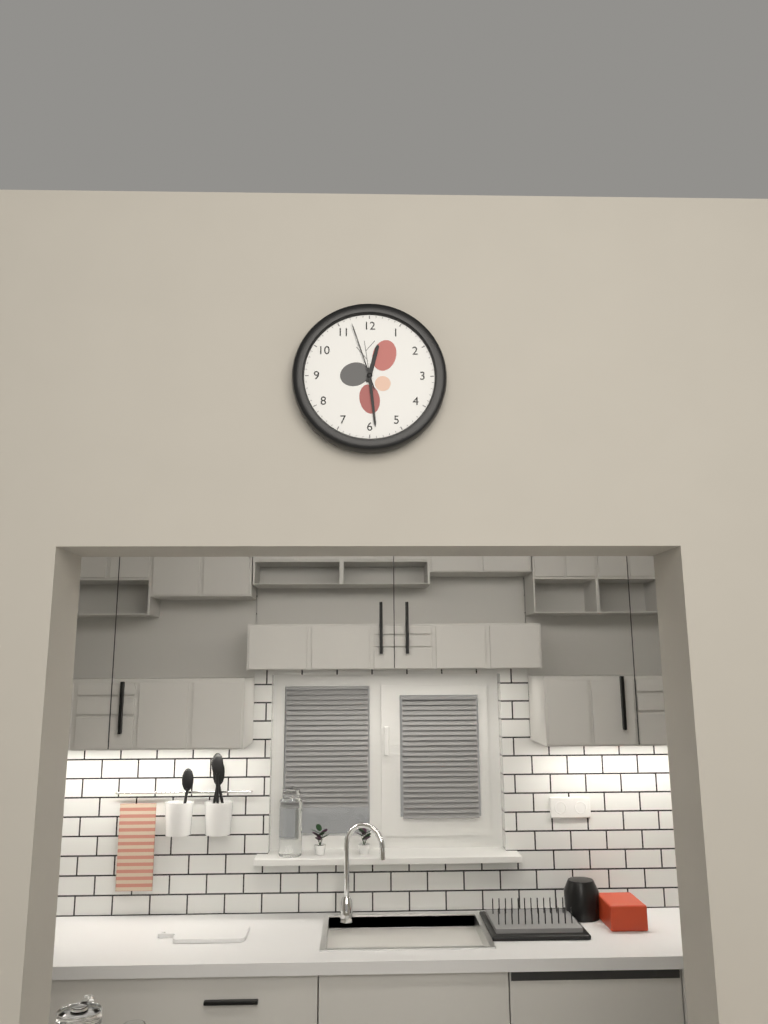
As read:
**12:29:57**
